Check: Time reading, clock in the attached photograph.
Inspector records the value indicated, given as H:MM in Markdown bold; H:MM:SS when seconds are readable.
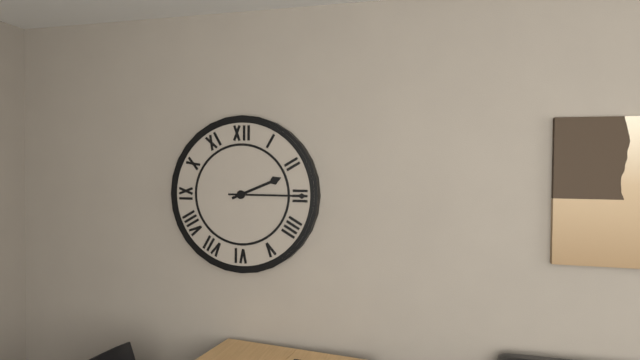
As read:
**2:15**
